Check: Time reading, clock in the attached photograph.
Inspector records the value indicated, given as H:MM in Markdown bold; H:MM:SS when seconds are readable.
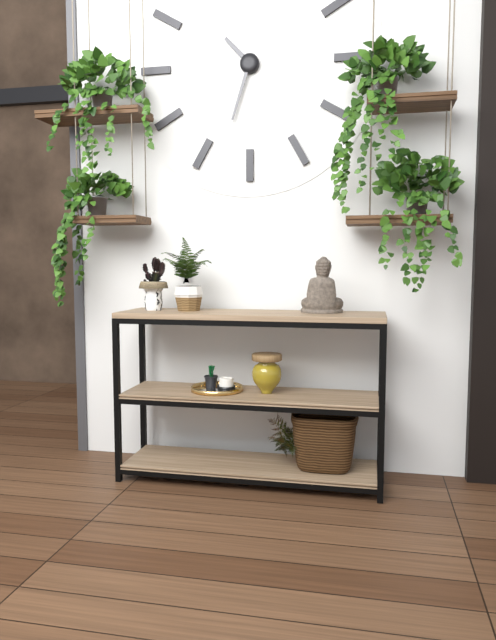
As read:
**10:33**
